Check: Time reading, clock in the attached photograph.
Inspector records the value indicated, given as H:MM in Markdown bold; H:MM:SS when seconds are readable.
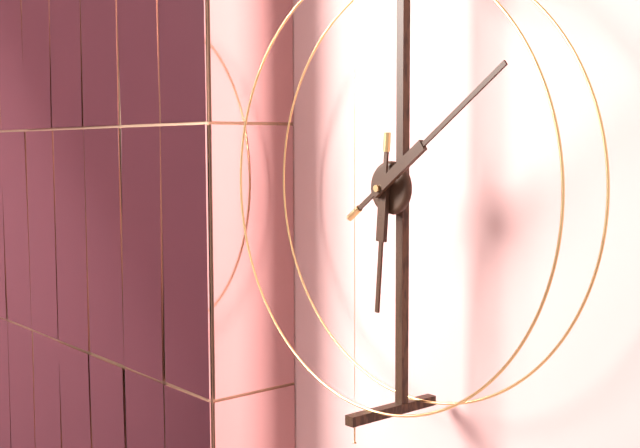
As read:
**6:09**
